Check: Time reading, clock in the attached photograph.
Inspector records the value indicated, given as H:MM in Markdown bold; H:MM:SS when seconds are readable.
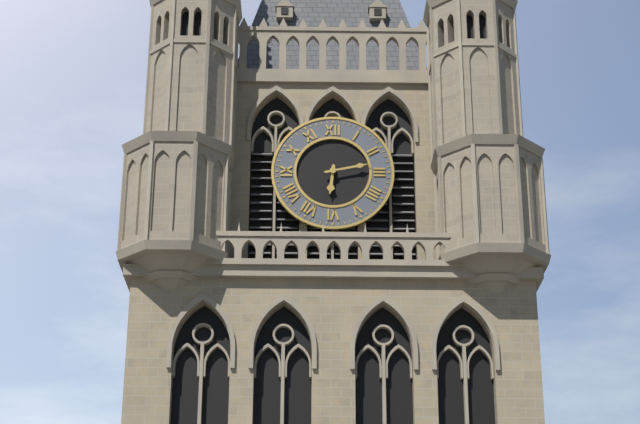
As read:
**6:13**
